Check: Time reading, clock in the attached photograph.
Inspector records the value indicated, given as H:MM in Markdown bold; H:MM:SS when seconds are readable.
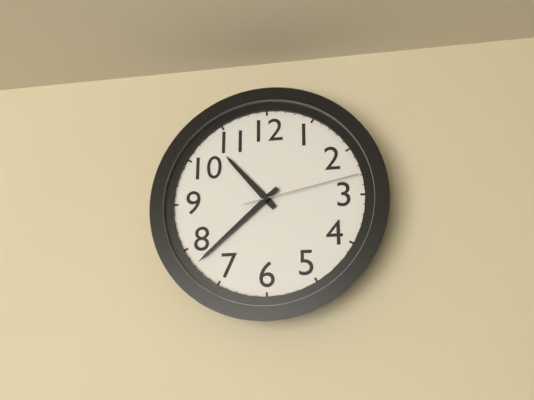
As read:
**10:38:13**
